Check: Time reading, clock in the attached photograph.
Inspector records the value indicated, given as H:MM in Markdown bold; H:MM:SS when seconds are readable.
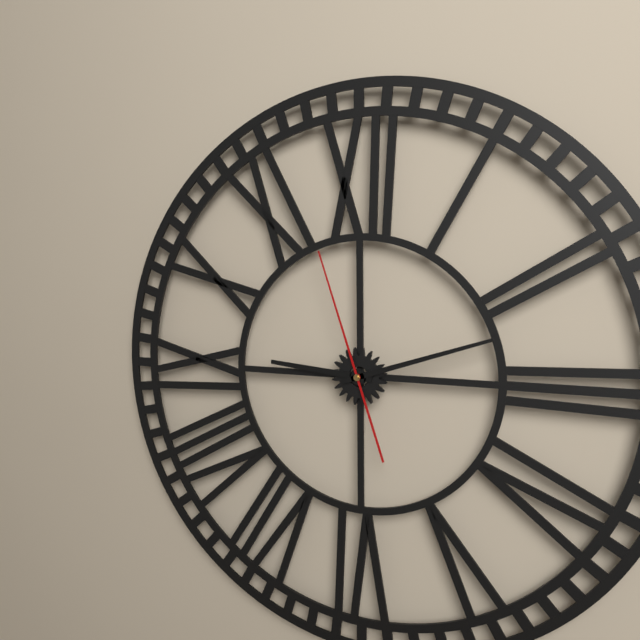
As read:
**9:12:57**
